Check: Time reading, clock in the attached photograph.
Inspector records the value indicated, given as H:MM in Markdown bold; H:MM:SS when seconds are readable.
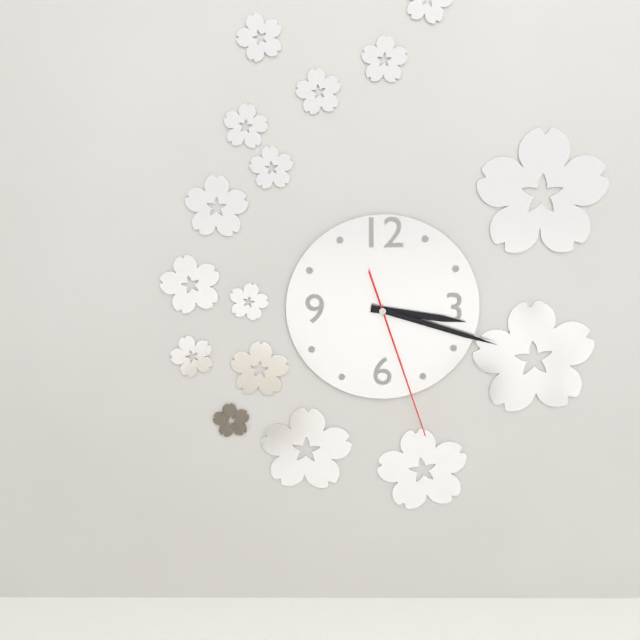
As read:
**3:18:27**
